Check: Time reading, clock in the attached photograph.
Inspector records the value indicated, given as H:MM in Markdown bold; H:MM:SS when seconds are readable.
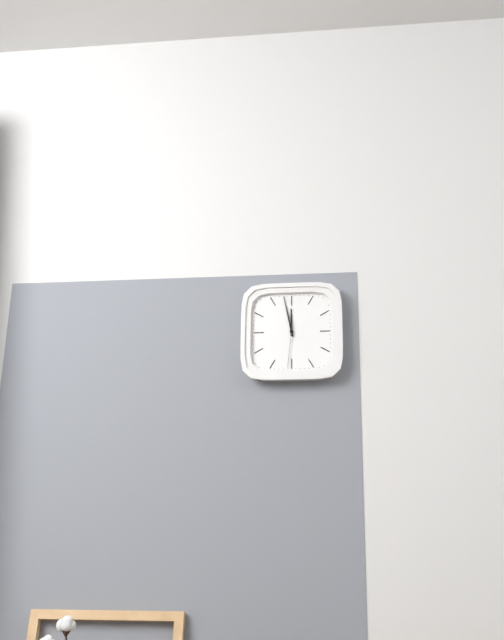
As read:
**11:58**
